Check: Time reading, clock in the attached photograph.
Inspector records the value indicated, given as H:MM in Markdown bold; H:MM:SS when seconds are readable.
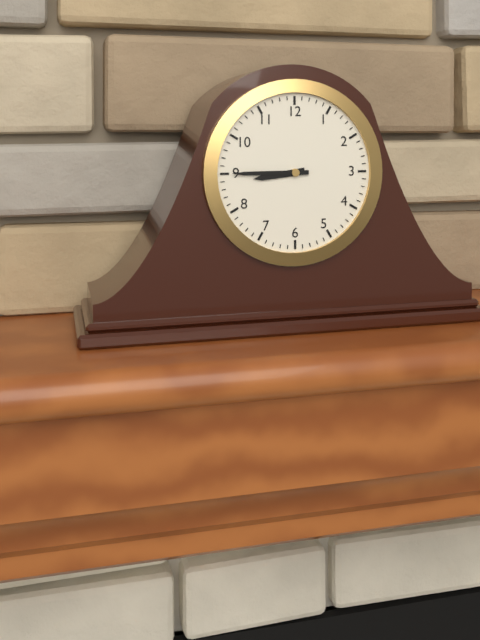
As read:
**8:45**
